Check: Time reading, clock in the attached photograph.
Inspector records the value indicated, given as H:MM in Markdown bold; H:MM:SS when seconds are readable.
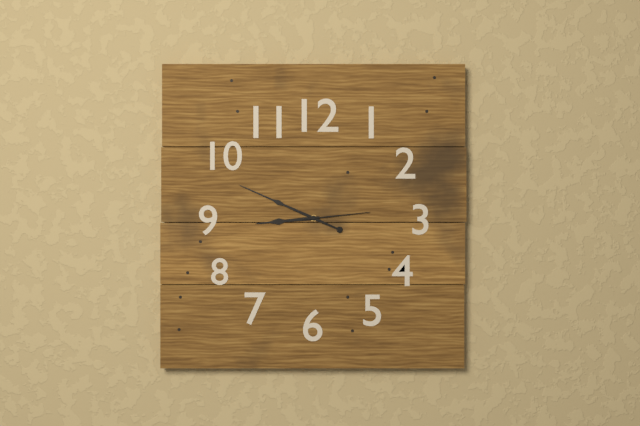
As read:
**8:49:14**
